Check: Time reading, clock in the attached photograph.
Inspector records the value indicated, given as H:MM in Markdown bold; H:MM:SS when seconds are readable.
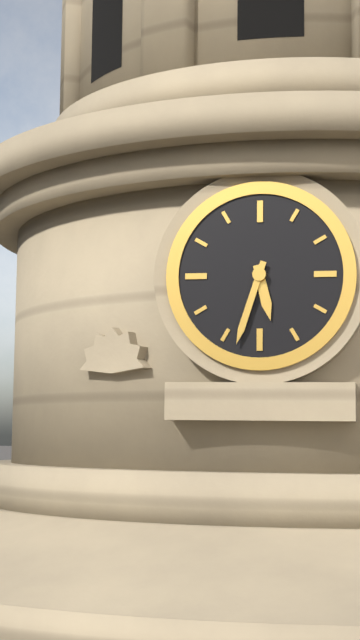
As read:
**5:33**
